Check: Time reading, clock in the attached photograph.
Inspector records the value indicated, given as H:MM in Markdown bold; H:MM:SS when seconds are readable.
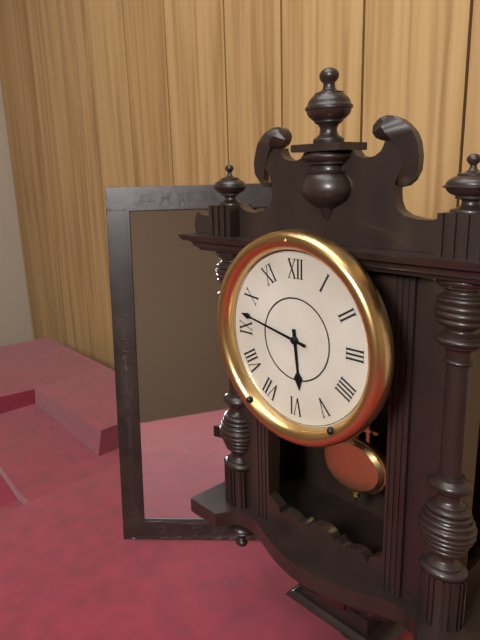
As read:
**5:47**
